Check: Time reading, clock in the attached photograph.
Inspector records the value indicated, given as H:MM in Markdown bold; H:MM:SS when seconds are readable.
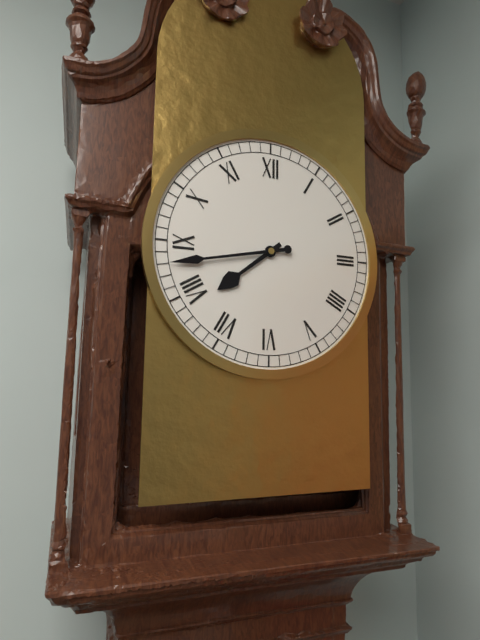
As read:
**7:43**
